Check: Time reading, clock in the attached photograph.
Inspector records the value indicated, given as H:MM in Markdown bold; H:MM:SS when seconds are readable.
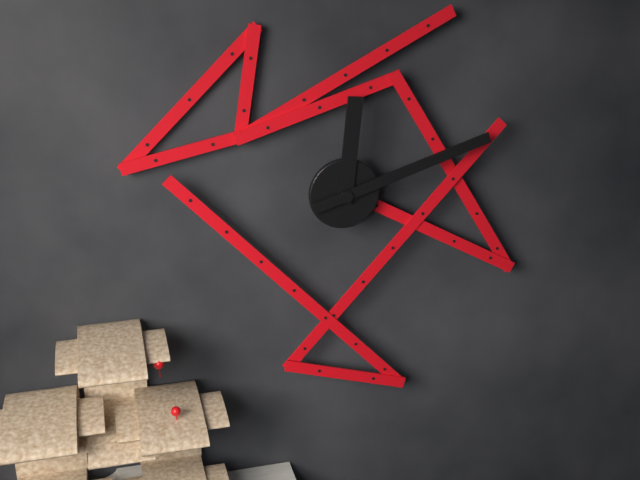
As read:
**12:12**
